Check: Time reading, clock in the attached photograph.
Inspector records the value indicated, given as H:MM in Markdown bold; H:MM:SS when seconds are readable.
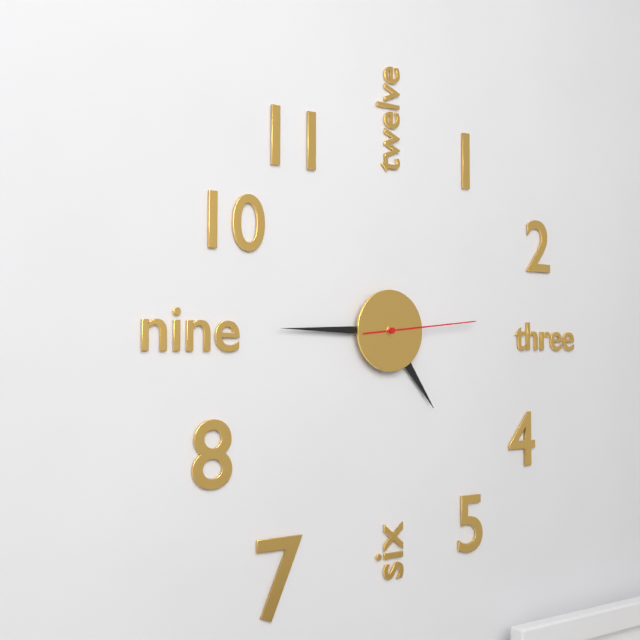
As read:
**4:45:14**
